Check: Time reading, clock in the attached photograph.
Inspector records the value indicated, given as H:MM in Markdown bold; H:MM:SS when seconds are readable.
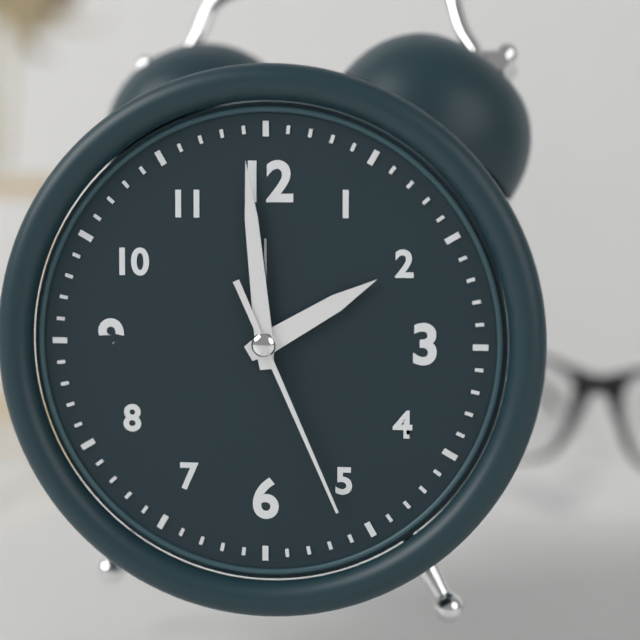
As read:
**1:59:26**
